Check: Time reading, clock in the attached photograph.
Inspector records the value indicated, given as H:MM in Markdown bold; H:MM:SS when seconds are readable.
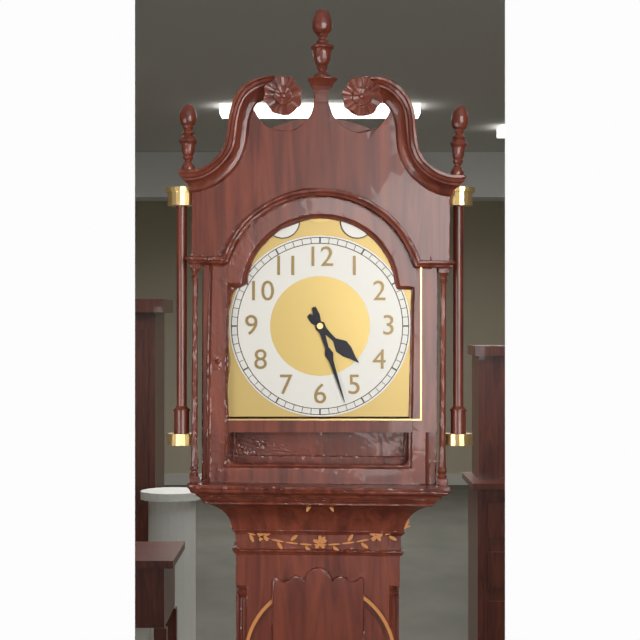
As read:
**4:27**
